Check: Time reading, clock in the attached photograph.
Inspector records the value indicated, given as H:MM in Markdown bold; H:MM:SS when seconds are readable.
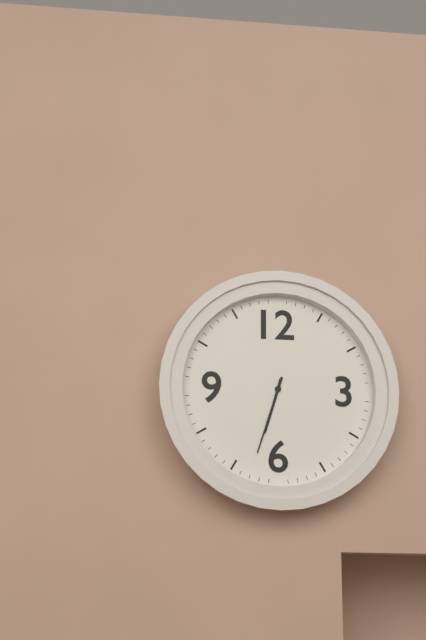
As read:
**6:33**
